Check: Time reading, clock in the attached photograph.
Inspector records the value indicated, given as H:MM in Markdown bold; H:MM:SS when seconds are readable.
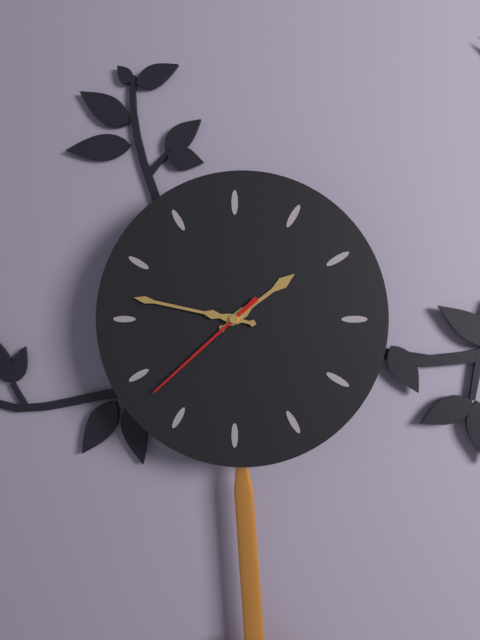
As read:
**1:47:38**
